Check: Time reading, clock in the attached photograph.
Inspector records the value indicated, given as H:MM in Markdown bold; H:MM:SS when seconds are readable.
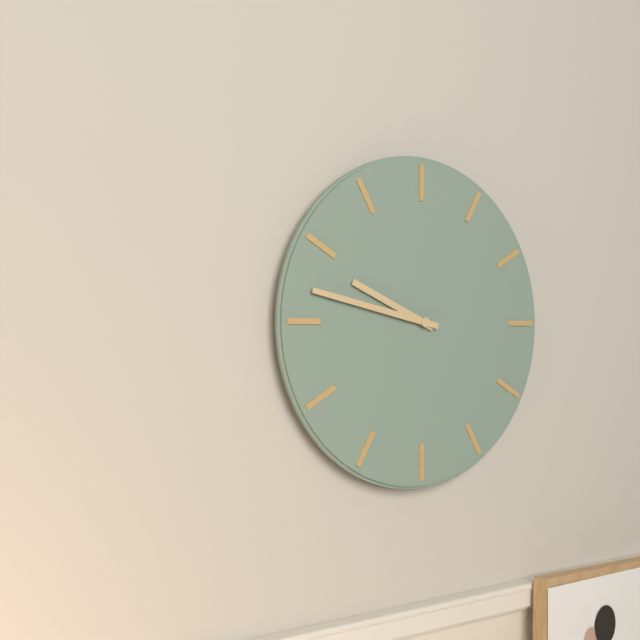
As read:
**9:47**
